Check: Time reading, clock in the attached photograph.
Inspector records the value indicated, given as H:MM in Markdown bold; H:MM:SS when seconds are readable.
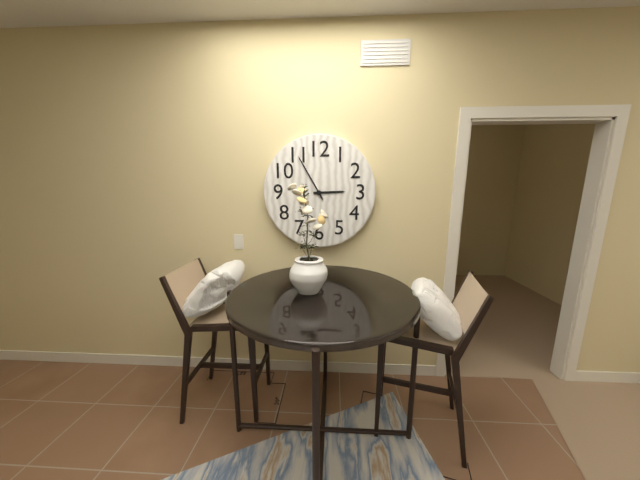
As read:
**2:55**
